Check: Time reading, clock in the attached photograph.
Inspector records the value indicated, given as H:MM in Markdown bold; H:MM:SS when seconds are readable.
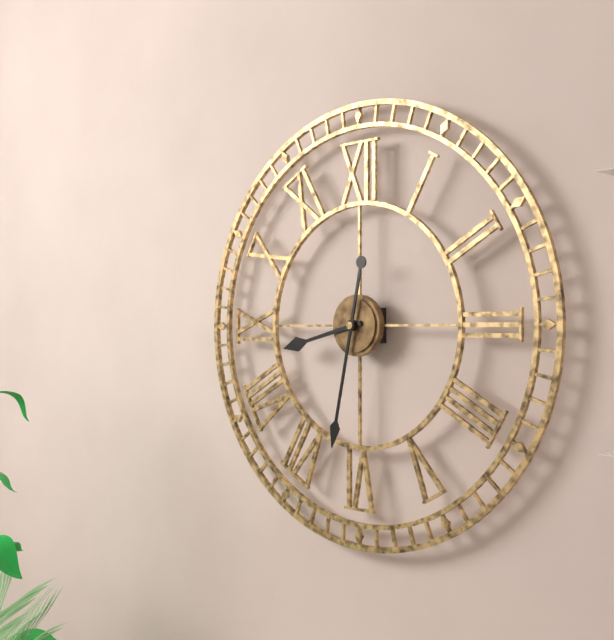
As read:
**8:32**
